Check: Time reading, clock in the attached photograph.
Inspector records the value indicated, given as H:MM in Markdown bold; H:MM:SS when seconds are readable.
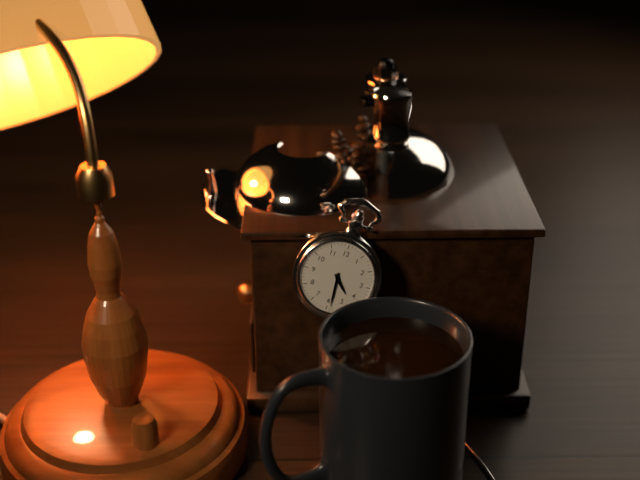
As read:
**4:29**
